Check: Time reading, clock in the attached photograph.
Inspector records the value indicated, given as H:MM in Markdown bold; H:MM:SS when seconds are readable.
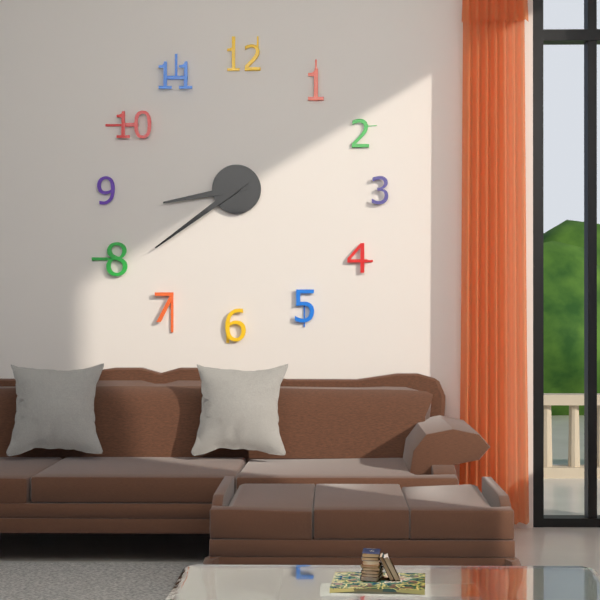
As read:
**8:39**
